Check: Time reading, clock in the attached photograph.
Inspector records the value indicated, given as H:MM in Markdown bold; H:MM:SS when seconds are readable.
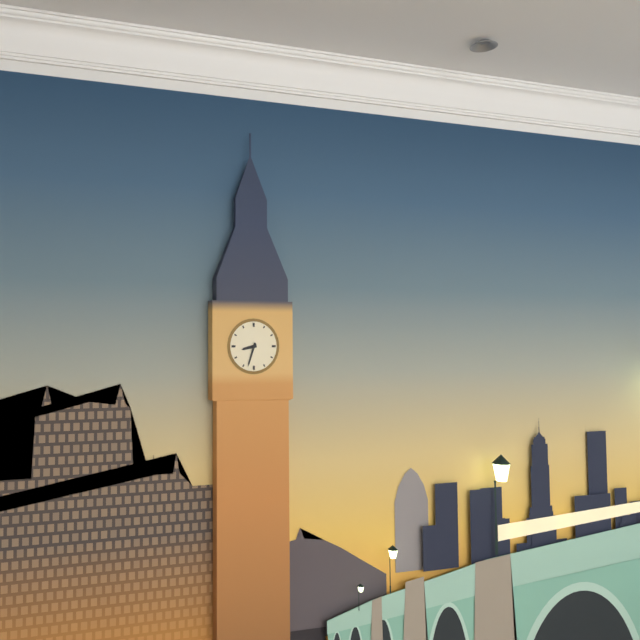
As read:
**8:33**
